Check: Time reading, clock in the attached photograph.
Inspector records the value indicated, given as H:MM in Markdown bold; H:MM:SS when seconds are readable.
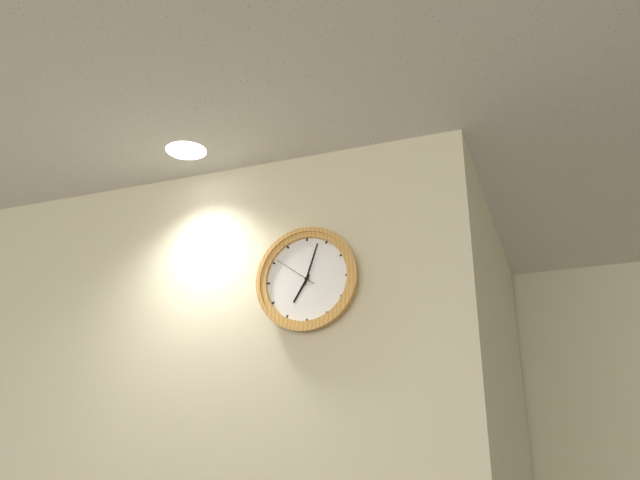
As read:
**7:03**
